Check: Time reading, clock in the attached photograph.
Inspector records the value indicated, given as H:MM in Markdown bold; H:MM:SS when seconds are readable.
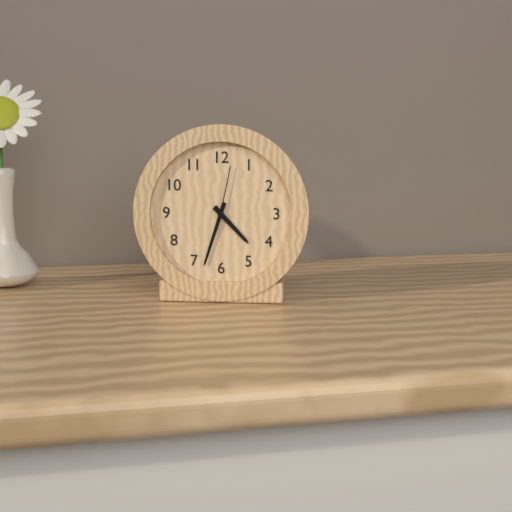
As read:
**4:33:02**
